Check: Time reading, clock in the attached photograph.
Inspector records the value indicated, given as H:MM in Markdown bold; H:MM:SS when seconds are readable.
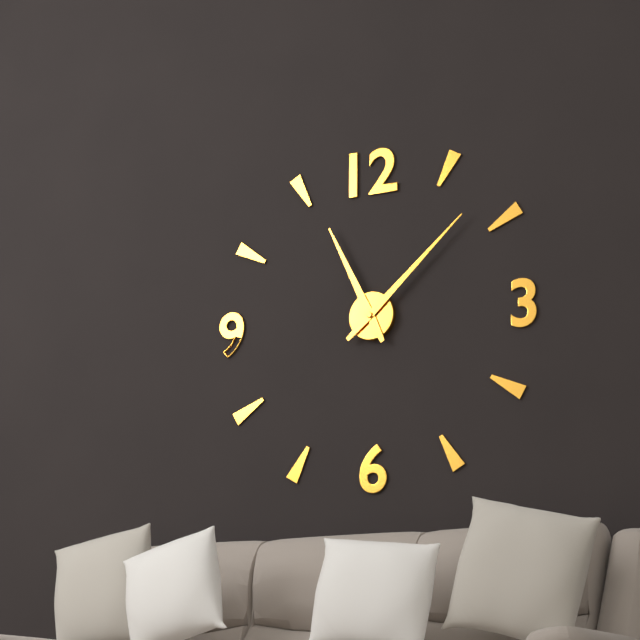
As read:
**11:08**
